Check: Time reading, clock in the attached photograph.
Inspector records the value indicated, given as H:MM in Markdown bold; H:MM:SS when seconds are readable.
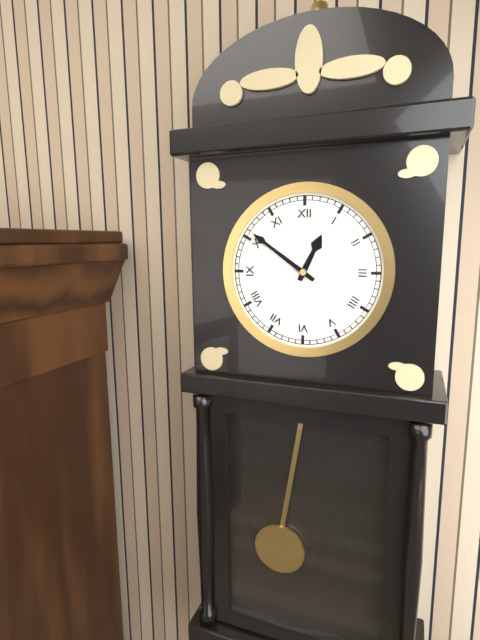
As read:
**12:51**
